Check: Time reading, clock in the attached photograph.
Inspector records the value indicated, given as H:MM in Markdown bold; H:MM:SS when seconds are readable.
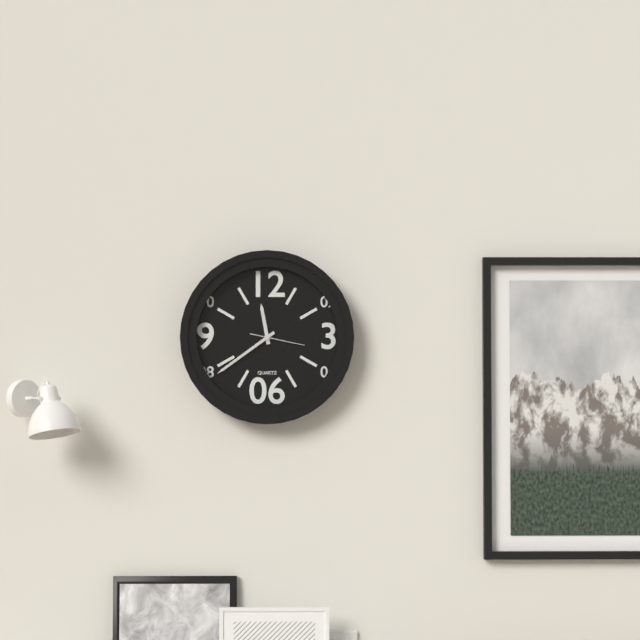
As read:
**11:39**
